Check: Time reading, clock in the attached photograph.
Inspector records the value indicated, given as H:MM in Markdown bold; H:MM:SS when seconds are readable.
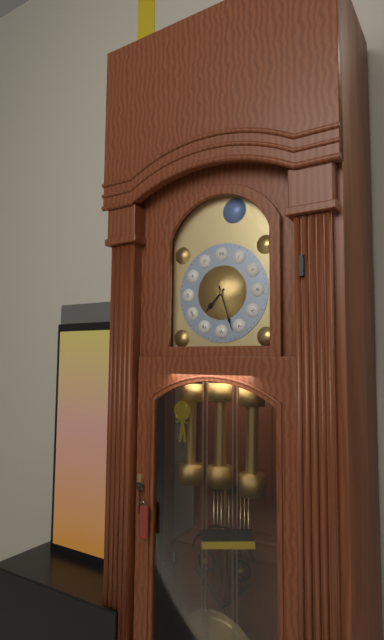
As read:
**7:27**
